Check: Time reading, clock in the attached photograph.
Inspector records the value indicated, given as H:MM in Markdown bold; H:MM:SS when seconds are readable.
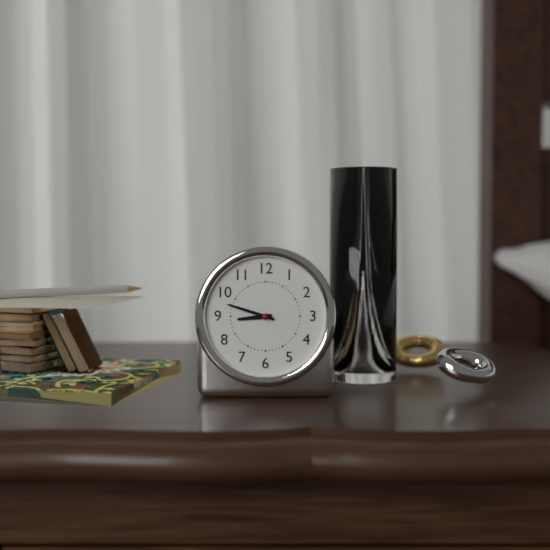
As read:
**8:48**
